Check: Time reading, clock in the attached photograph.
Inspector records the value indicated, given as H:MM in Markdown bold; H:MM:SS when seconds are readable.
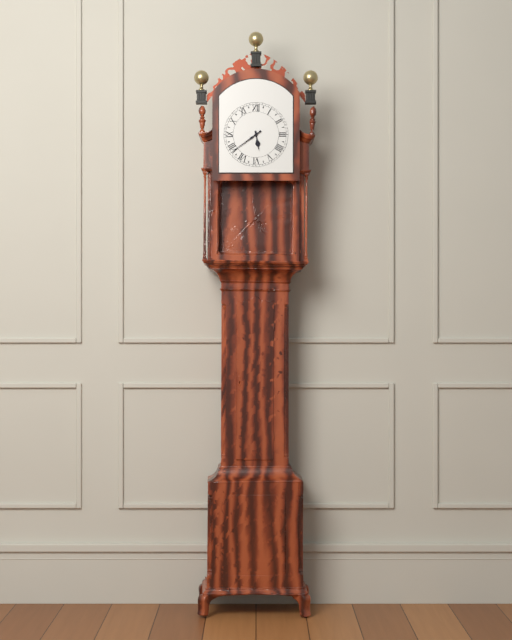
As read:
**5:39**
